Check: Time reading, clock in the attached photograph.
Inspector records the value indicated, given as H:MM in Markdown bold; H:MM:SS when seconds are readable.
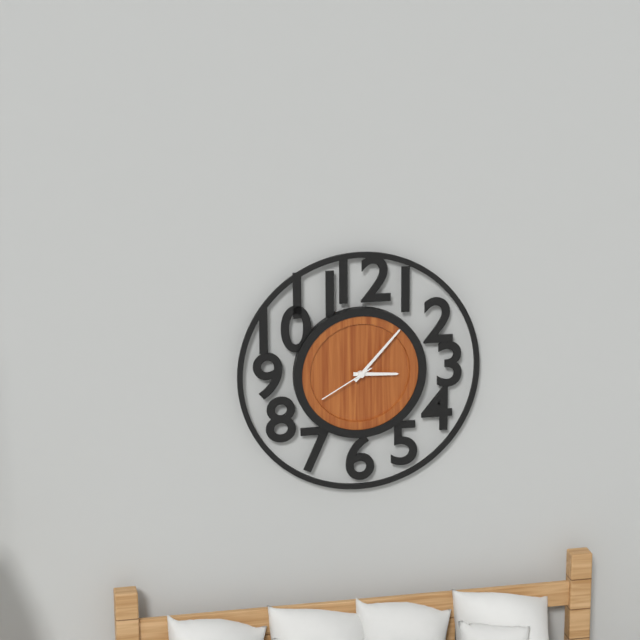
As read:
**3:07:40**
